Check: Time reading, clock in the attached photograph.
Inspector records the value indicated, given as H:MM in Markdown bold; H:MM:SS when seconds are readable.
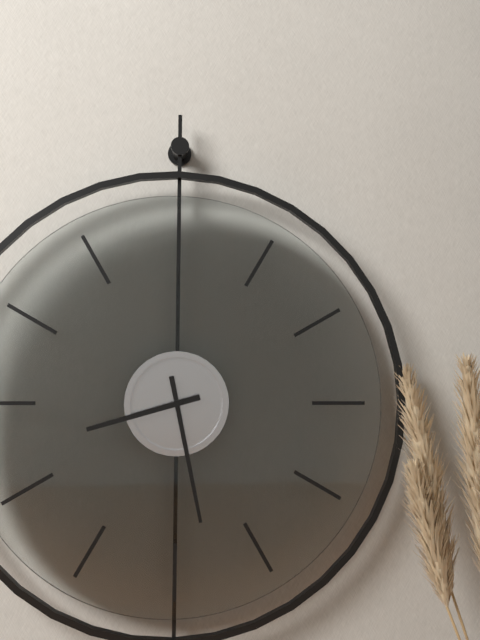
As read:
**8:28**
